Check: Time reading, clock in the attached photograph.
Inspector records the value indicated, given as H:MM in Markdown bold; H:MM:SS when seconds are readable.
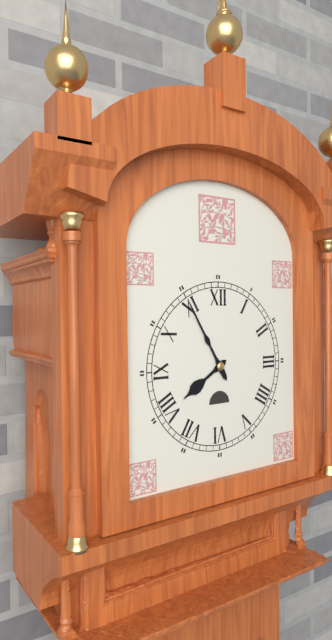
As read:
**7:55**
